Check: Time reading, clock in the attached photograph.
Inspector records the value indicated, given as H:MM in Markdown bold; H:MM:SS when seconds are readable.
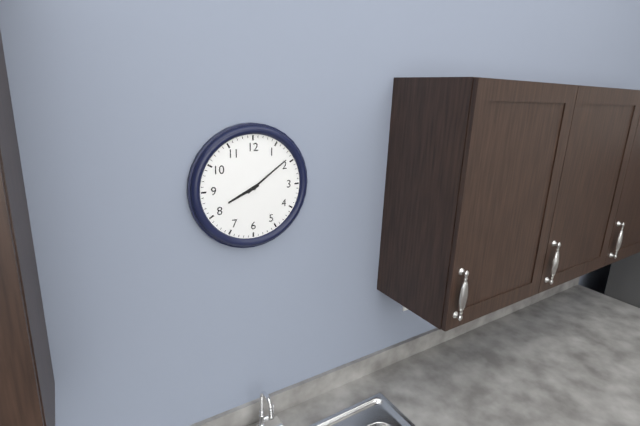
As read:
**8:09**
